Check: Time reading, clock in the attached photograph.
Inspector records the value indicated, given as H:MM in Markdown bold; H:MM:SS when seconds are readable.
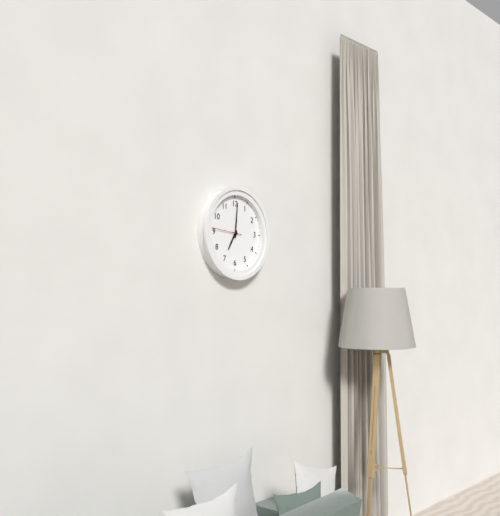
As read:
**7:01**
